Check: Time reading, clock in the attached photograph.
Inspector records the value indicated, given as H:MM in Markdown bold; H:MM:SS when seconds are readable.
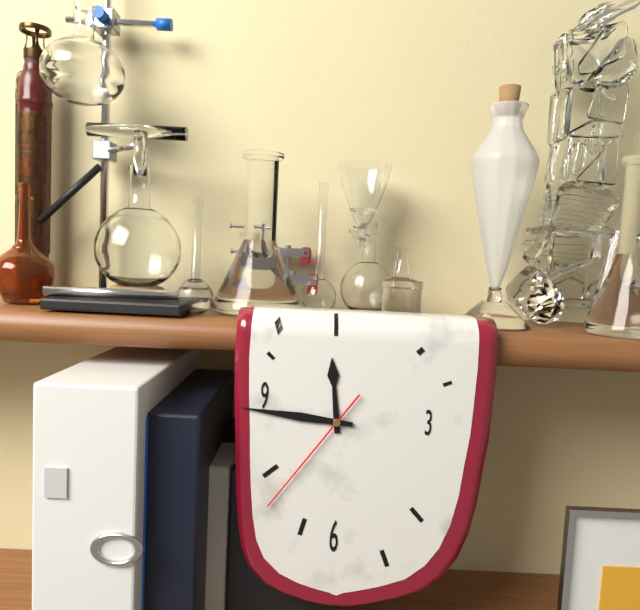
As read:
**11:46:36**
